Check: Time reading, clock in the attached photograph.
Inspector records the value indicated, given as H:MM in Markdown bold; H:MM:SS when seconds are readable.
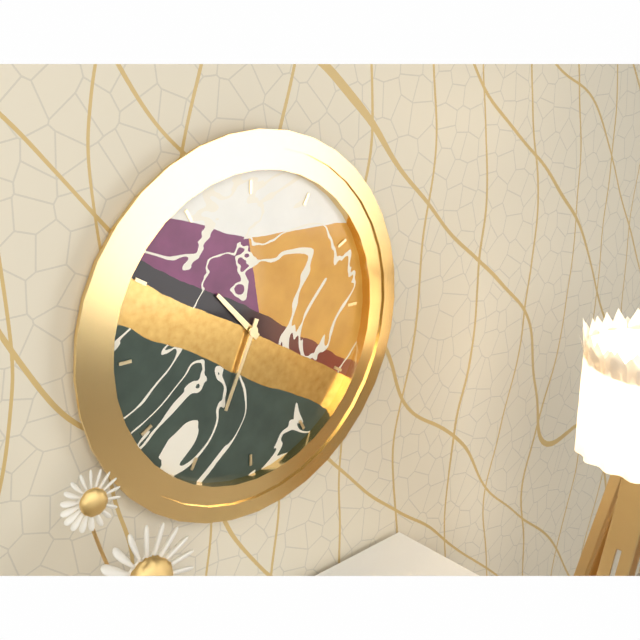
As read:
**10:34**
